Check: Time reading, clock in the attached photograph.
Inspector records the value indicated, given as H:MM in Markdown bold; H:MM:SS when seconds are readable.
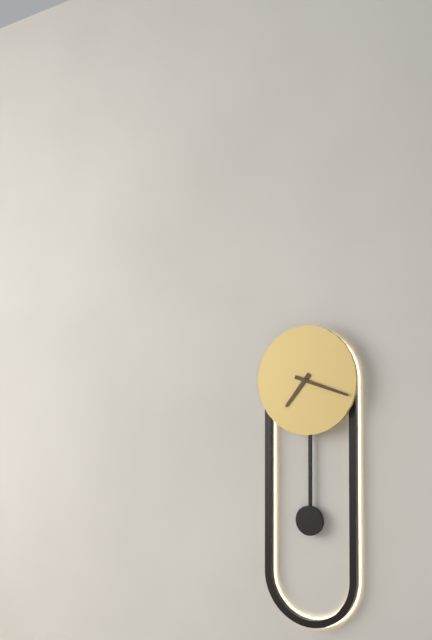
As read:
**7:18**
